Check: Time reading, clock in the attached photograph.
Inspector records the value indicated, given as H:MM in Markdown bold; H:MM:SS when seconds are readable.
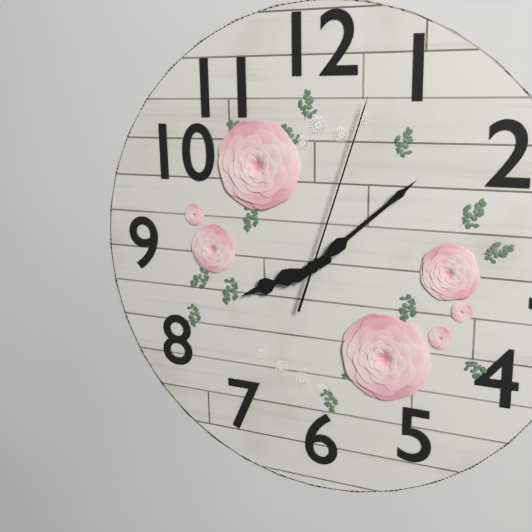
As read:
**8:08:03**
